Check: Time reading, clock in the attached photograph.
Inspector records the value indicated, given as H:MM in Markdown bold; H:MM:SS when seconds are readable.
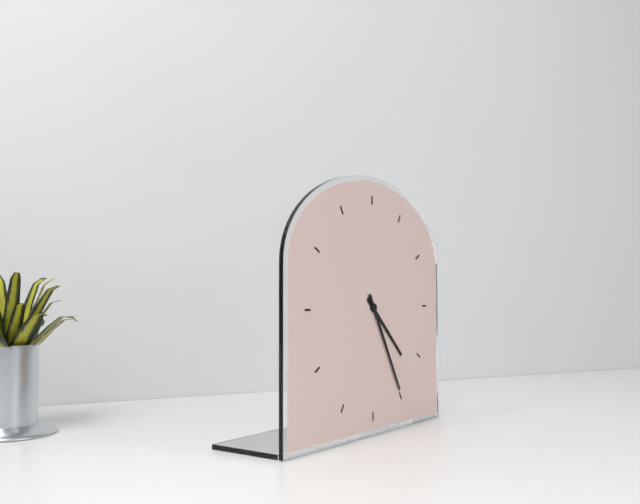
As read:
**4:25**
